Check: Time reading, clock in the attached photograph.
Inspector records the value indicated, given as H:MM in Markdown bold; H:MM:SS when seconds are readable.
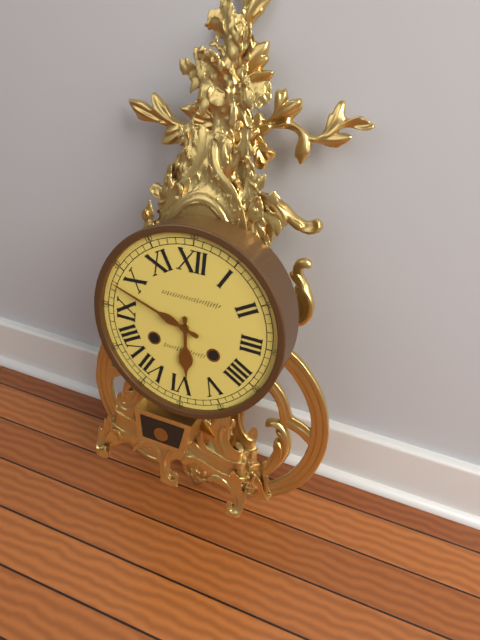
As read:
**5:48**
